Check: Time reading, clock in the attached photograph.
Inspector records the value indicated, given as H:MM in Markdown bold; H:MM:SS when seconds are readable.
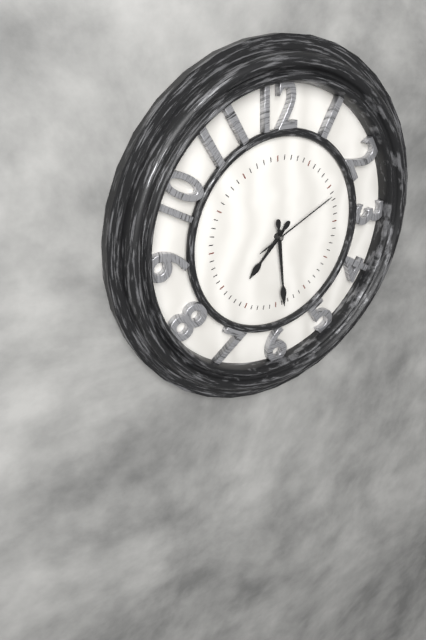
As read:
**7:29:11**
